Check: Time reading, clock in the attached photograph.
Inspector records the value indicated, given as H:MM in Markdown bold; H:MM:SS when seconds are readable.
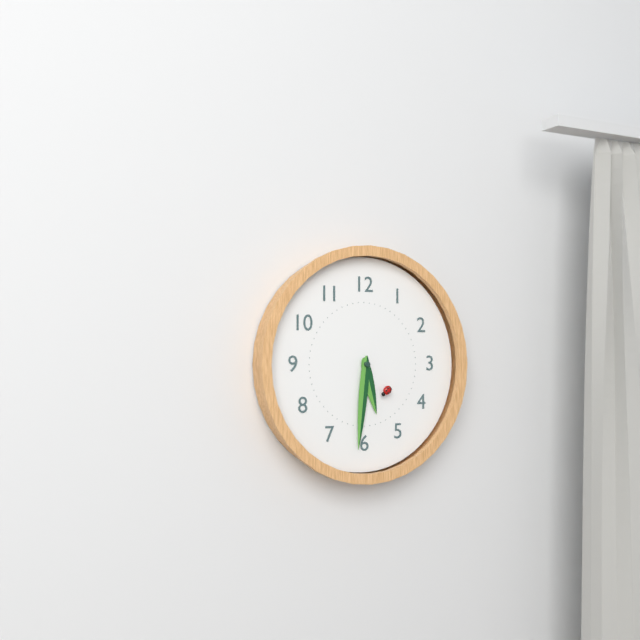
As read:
**5:31:23**
